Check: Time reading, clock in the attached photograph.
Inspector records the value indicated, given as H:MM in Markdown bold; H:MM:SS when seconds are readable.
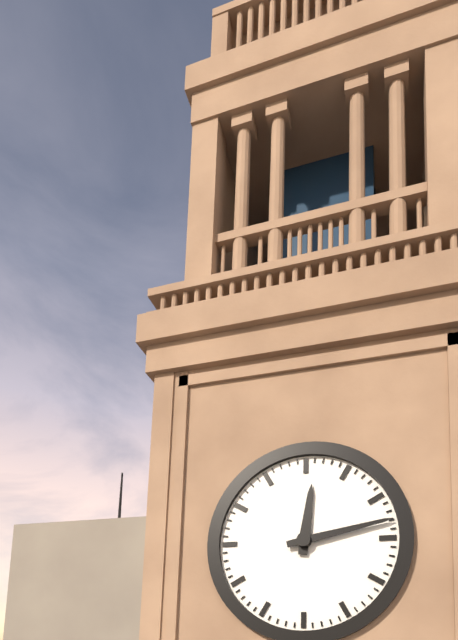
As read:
**12:13**
